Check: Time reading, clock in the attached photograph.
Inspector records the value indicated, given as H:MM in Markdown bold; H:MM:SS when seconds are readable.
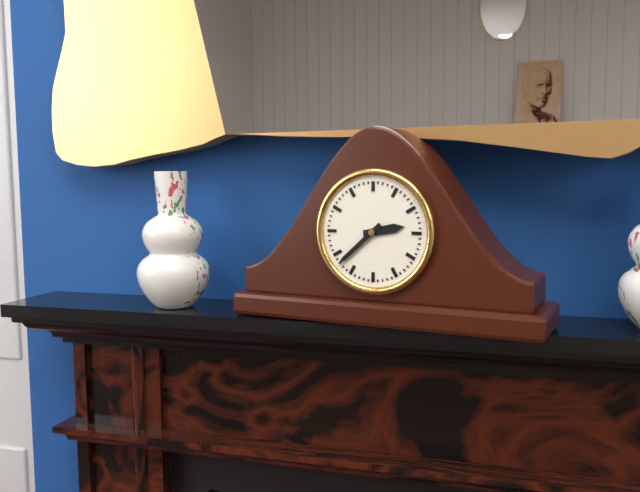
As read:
**2:38**
